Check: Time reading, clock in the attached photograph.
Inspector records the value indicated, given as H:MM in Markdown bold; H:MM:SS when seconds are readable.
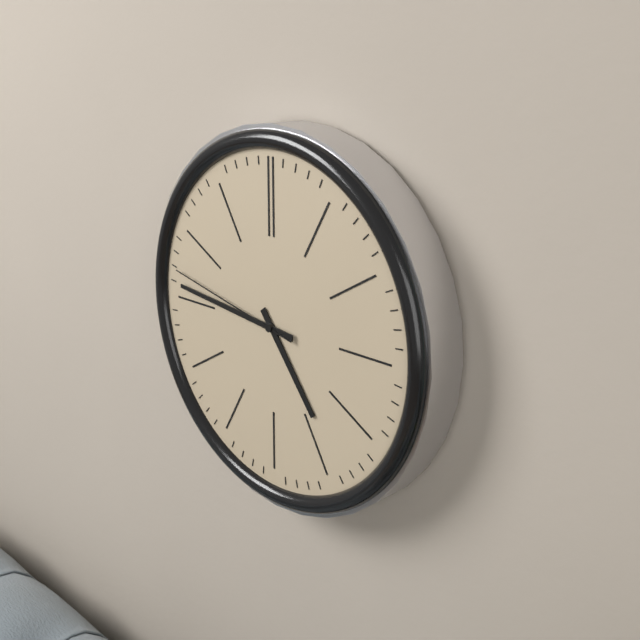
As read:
**4:46:47**
